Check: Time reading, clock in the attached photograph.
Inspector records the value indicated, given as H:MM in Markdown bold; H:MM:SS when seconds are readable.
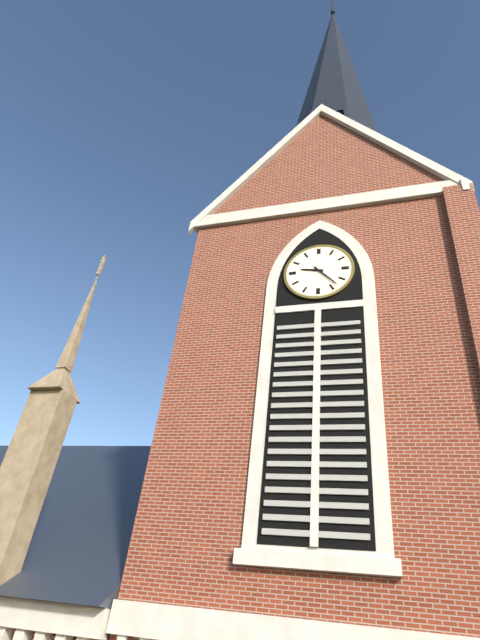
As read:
**9:23**
